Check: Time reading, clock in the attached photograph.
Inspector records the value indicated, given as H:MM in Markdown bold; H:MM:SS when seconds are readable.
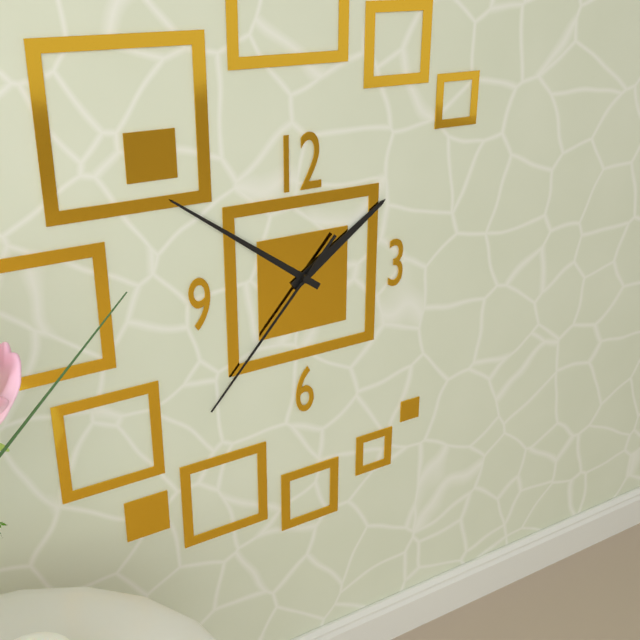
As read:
**1:51:37**
